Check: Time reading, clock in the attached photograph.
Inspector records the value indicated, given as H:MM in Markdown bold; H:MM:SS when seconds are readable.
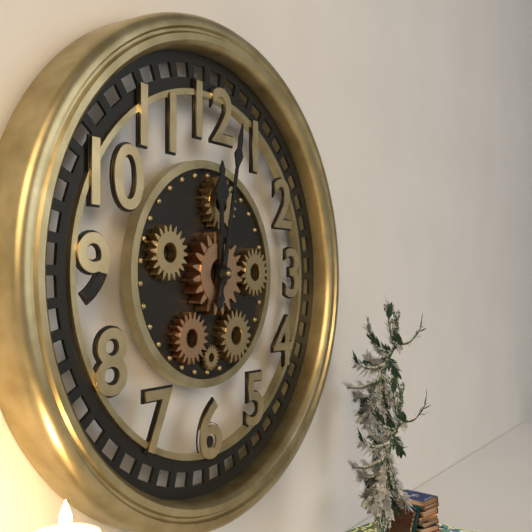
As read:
**12:02**
